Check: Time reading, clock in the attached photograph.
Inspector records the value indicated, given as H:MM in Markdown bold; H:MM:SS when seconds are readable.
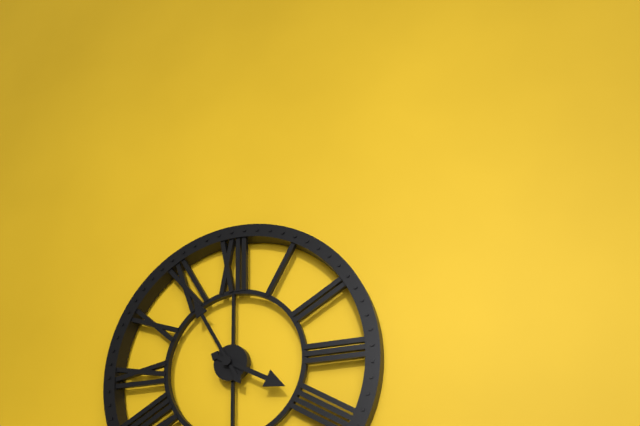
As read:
**3:55**
